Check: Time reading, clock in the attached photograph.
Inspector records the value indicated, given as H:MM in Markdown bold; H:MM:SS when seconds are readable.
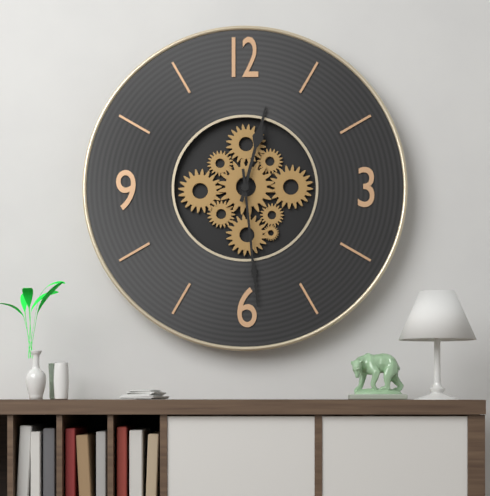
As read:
**12:29**
